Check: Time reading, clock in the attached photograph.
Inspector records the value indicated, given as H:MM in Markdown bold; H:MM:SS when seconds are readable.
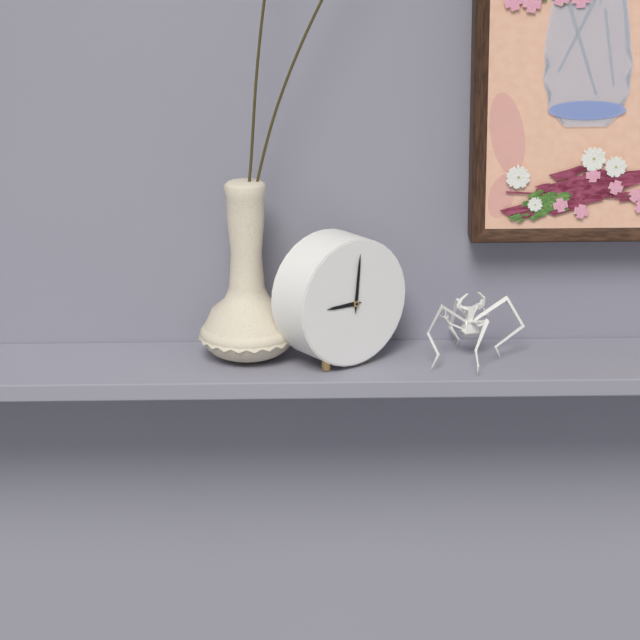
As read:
**9:01**
